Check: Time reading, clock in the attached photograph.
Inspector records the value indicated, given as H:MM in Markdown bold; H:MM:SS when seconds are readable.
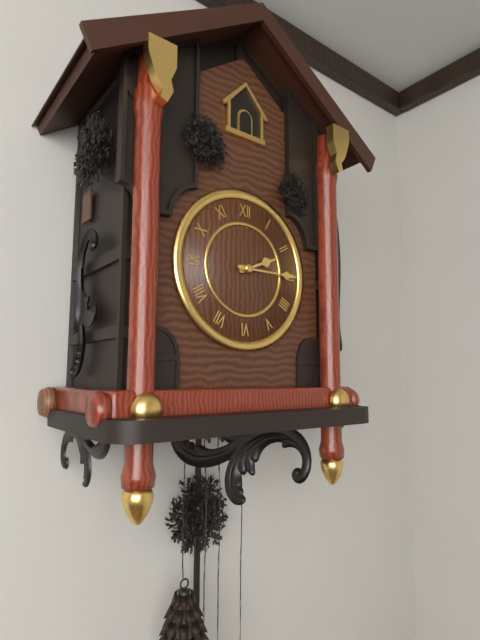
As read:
**2:15**
